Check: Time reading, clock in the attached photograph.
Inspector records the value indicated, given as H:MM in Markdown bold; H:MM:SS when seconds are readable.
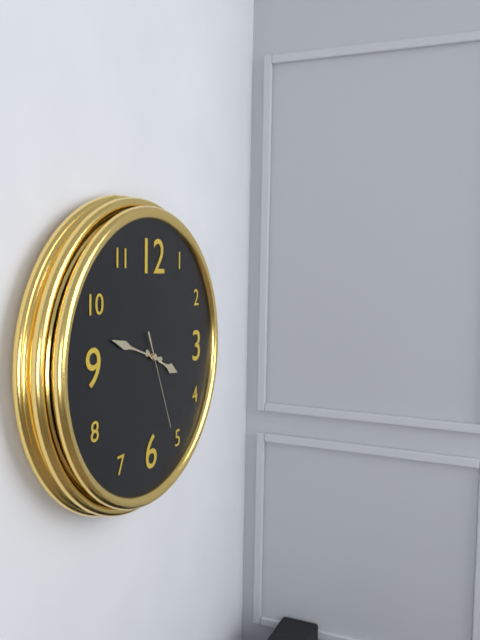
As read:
**3:48:26**
